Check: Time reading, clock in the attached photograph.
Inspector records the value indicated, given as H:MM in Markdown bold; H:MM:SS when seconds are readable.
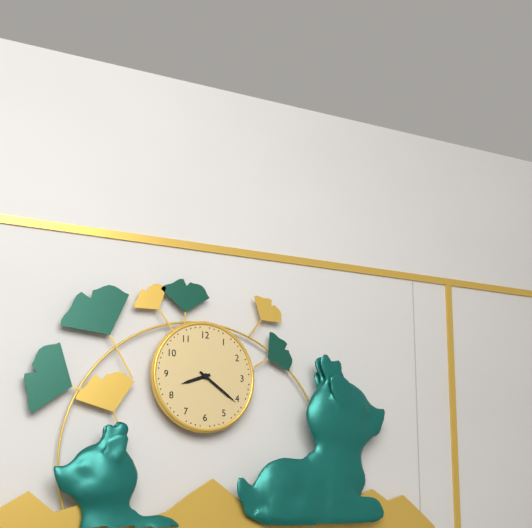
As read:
**8:21**
